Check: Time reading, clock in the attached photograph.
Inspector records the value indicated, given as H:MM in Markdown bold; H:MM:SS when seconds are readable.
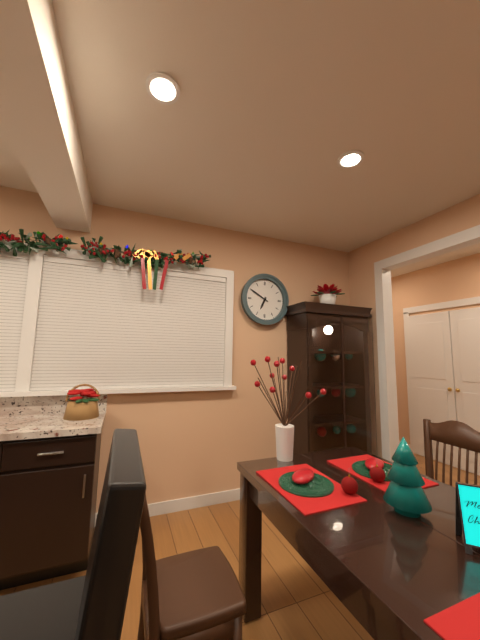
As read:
**6:50**
